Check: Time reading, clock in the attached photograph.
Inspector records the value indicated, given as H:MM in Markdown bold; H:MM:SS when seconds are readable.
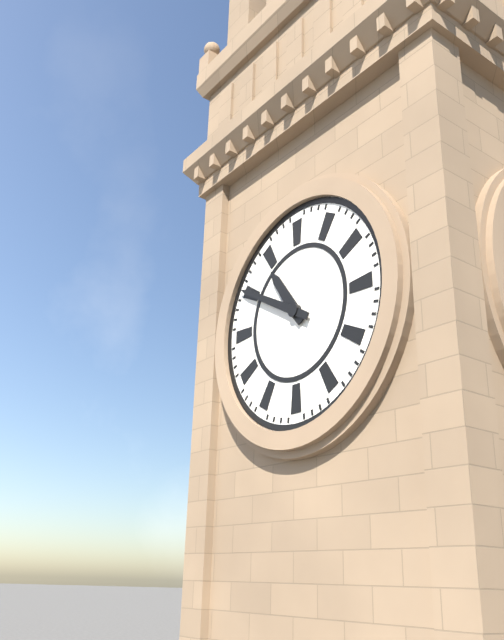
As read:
**10:50**
